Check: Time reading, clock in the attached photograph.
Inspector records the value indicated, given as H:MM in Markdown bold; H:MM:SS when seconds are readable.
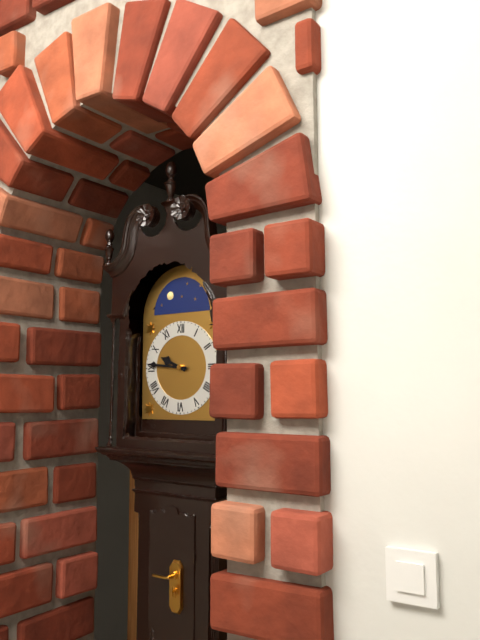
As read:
**9:46**
